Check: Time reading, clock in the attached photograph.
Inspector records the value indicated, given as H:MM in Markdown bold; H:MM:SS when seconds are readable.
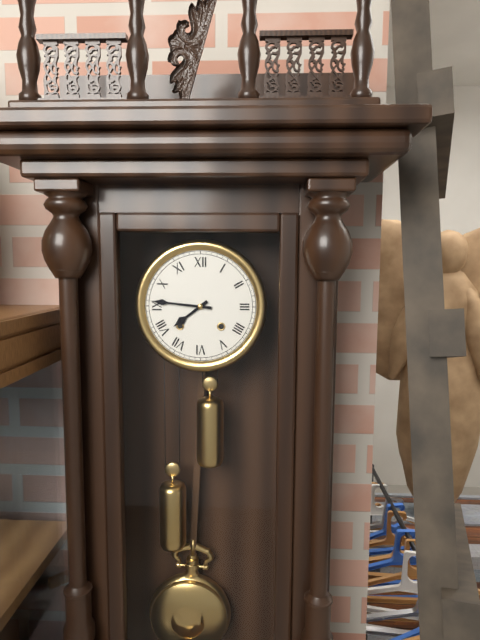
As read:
**7:46**
